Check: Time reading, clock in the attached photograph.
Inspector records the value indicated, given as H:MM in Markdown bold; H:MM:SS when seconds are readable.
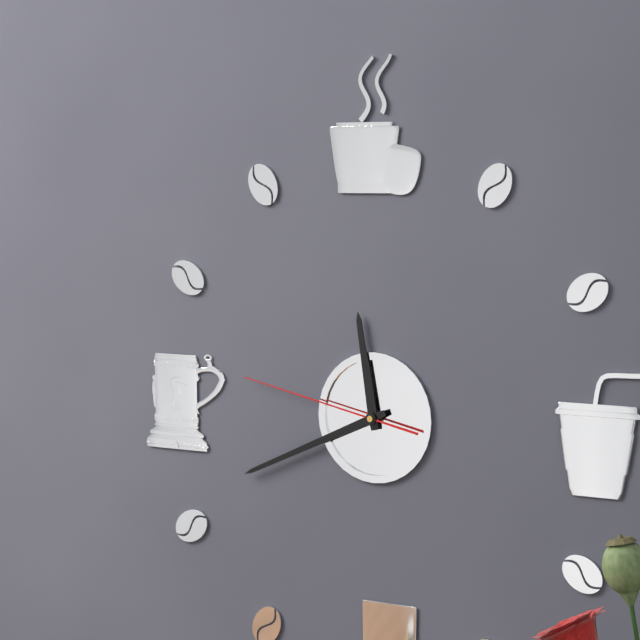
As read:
**11:41:47**
